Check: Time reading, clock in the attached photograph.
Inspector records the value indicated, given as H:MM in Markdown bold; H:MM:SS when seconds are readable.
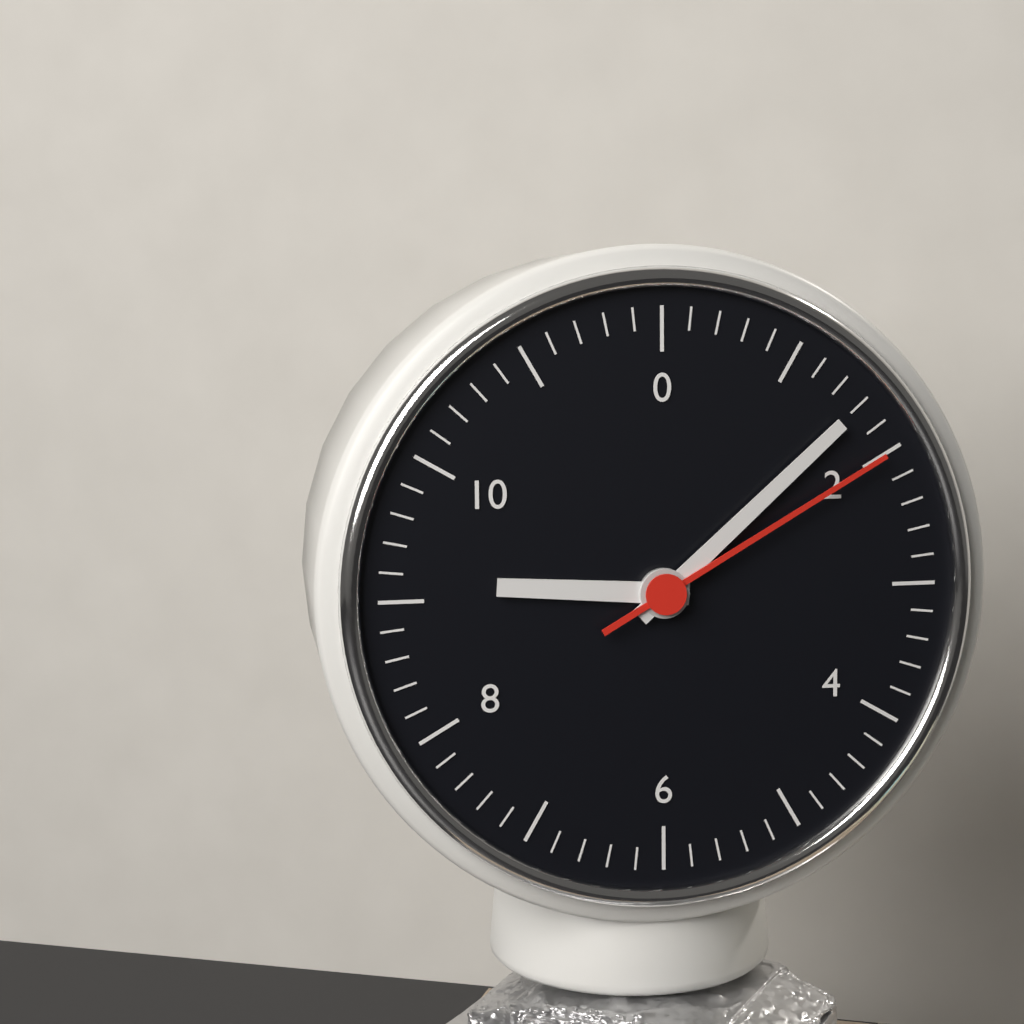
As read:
**9:08:10**
